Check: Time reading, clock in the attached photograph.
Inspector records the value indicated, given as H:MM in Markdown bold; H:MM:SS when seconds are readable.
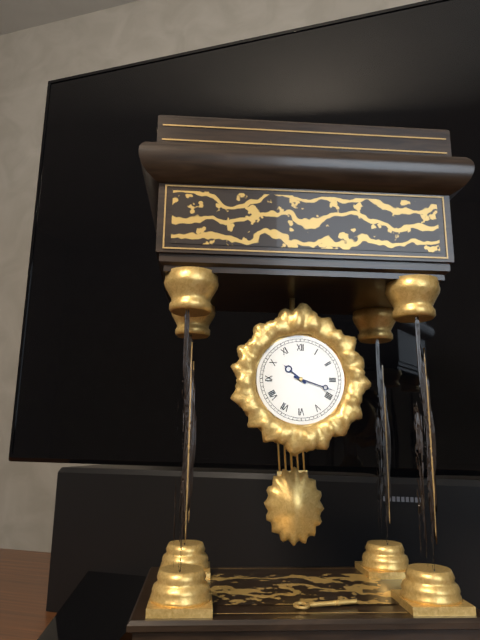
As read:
**10:18**
